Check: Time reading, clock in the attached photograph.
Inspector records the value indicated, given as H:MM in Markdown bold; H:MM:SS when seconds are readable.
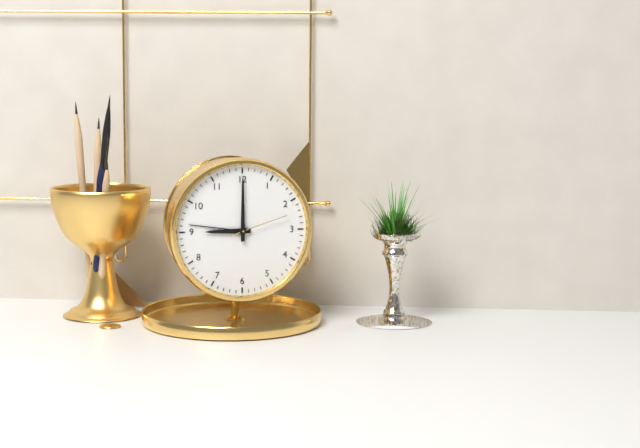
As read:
**9:00:12**
